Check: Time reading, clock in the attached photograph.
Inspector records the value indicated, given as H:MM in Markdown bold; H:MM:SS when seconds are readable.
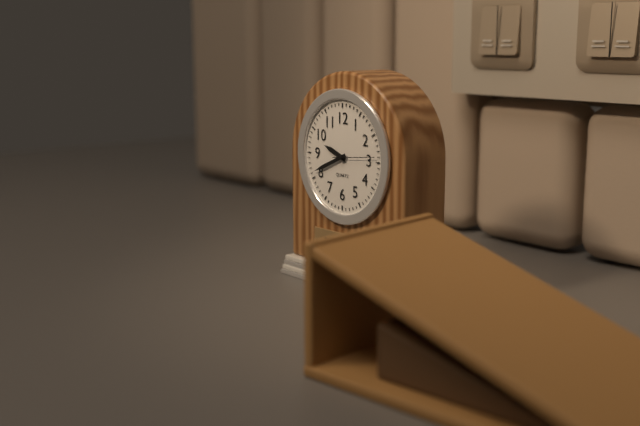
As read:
**9:41**
